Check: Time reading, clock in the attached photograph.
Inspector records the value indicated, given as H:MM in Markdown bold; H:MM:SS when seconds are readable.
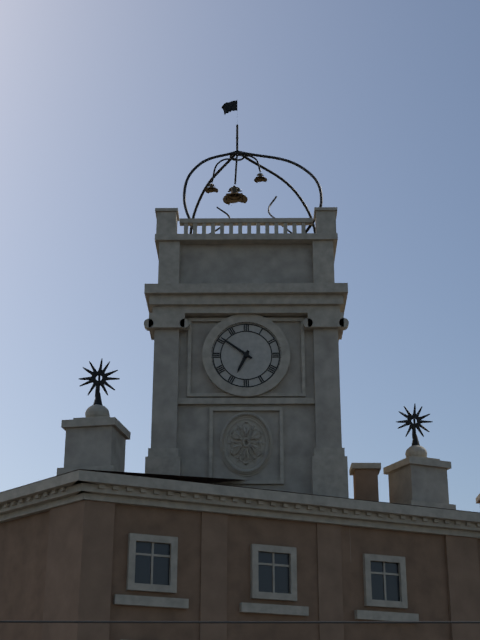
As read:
**6:51**
